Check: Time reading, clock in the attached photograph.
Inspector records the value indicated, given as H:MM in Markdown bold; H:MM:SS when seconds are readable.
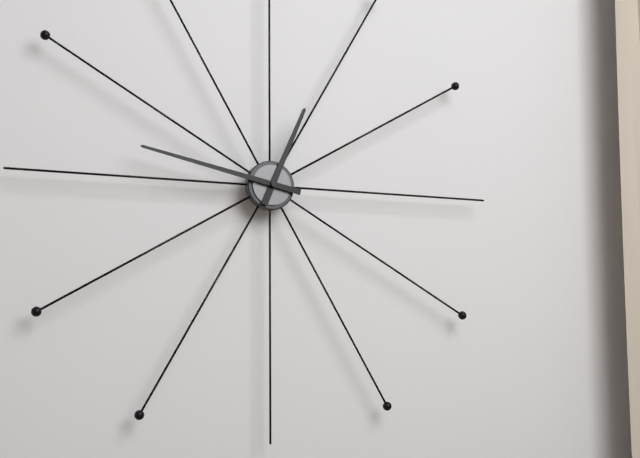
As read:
**12:47**
